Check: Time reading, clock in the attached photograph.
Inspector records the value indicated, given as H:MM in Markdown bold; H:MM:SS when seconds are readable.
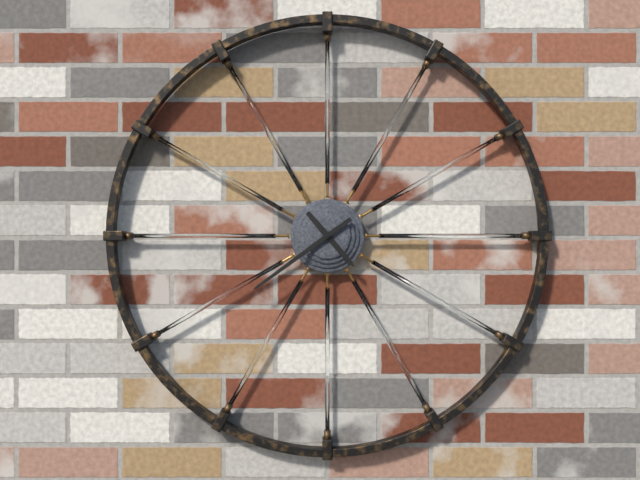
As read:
**4:39**
